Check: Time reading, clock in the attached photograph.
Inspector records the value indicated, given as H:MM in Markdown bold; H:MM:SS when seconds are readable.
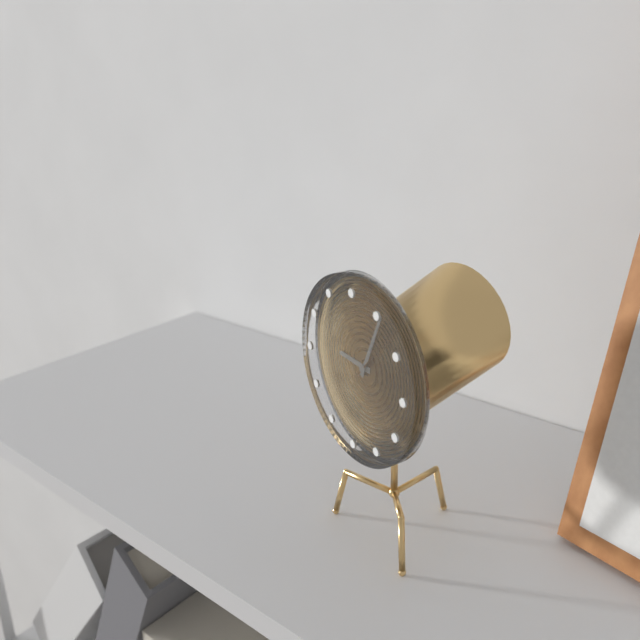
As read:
**9:04:07**
